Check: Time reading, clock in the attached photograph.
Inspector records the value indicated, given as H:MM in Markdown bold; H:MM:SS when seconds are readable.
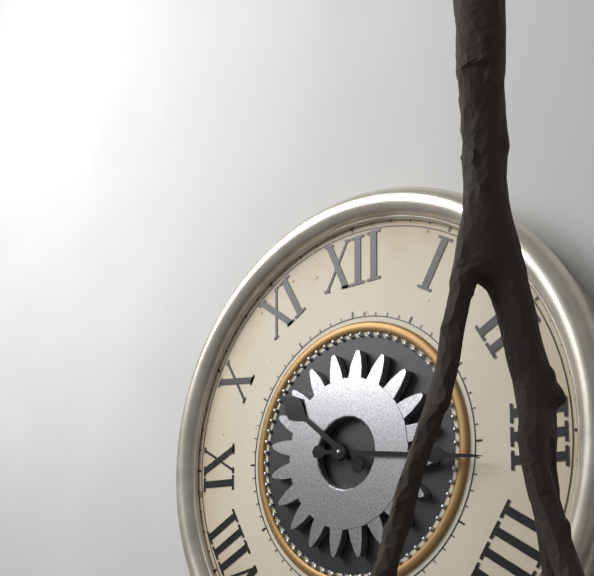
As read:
**10:16**
